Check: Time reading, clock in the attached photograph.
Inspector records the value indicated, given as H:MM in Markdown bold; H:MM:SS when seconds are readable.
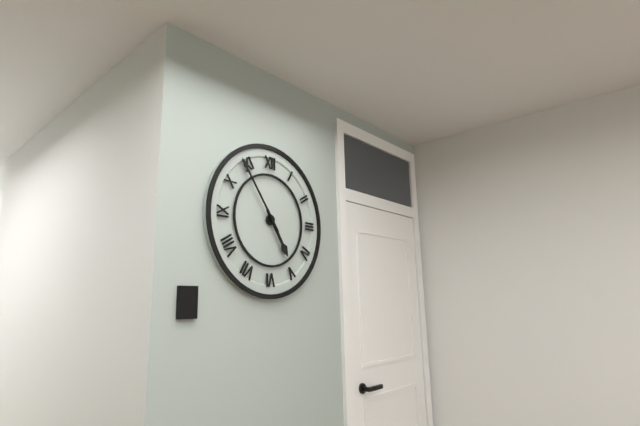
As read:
**4:54**
